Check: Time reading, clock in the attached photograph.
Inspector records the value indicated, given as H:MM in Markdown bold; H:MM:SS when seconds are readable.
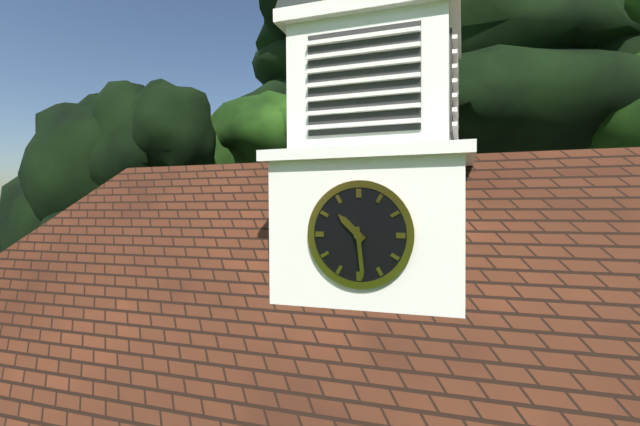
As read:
**10:29**
